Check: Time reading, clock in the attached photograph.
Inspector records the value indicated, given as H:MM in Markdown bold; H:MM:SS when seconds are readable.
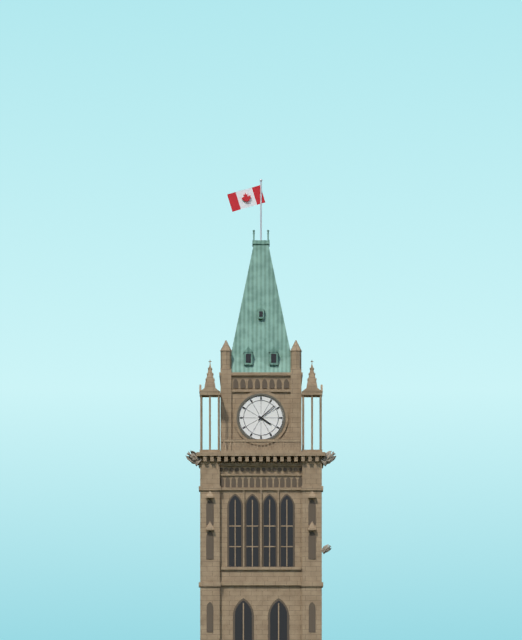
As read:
**4:08**
